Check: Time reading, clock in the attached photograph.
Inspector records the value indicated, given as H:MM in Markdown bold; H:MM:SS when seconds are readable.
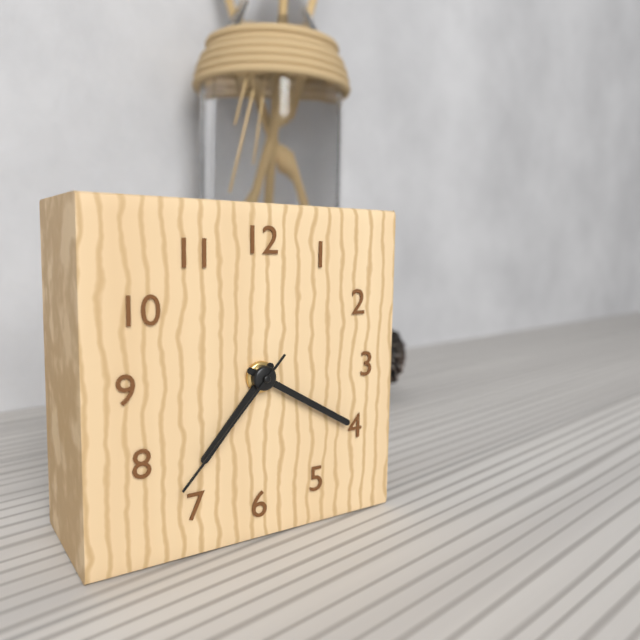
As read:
**7:20:37**
